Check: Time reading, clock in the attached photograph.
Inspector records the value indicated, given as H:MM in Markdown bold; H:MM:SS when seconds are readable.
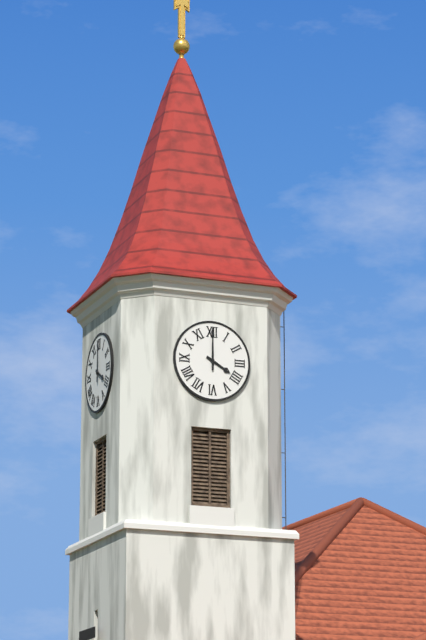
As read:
**4:00**
